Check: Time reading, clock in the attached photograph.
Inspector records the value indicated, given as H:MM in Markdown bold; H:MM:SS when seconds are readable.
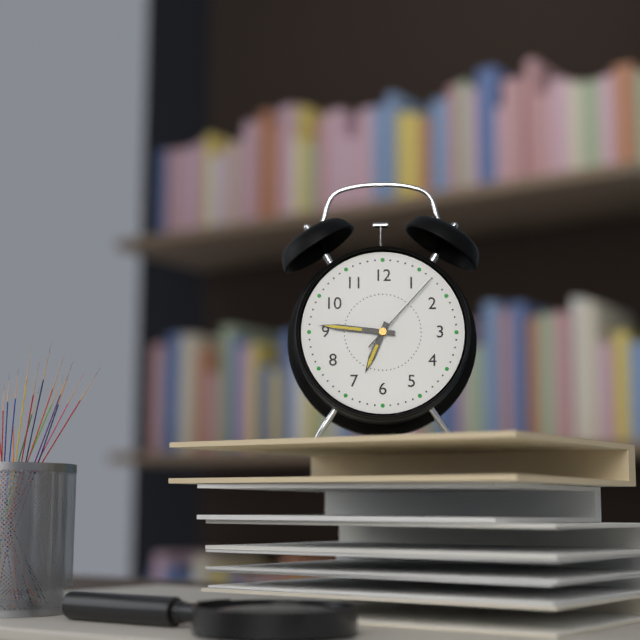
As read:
**6:46:07**
